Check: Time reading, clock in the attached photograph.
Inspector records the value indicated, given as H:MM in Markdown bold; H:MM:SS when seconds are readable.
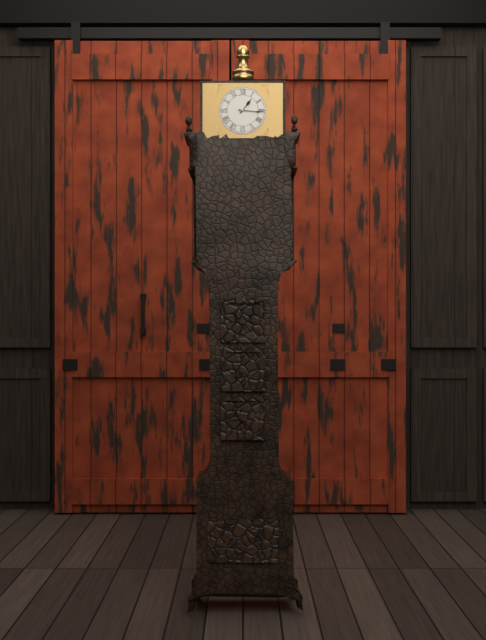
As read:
**1:16**
